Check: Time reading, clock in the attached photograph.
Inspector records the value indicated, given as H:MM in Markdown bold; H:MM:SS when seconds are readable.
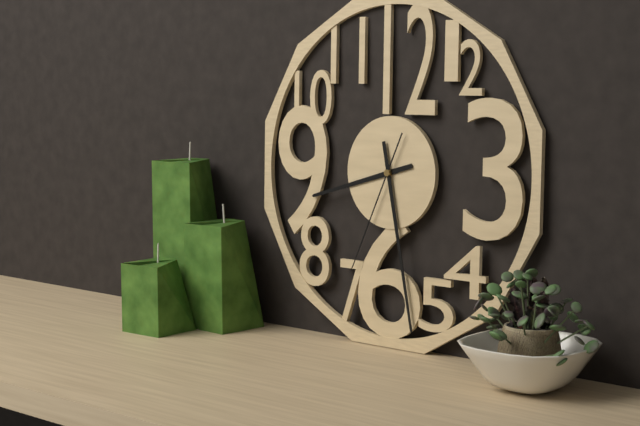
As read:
**8:28:34**
